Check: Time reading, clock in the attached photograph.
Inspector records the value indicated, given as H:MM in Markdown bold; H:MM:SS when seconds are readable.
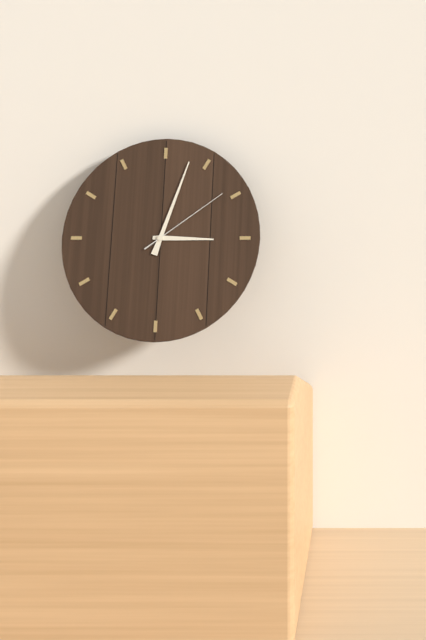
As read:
**3:03:09**
